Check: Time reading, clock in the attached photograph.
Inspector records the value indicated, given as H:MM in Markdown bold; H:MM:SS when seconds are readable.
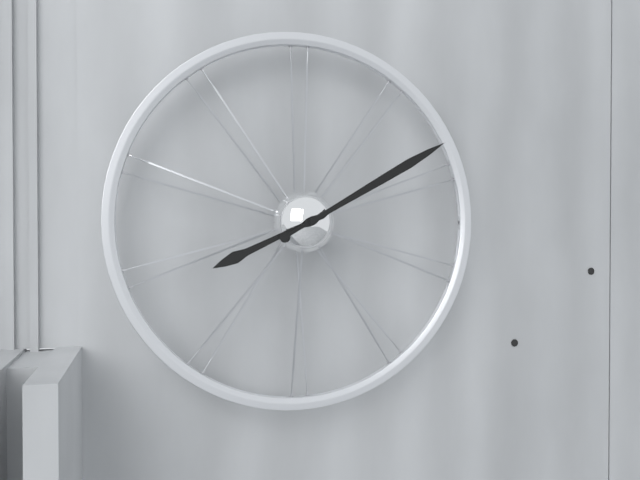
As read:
**8:10**
